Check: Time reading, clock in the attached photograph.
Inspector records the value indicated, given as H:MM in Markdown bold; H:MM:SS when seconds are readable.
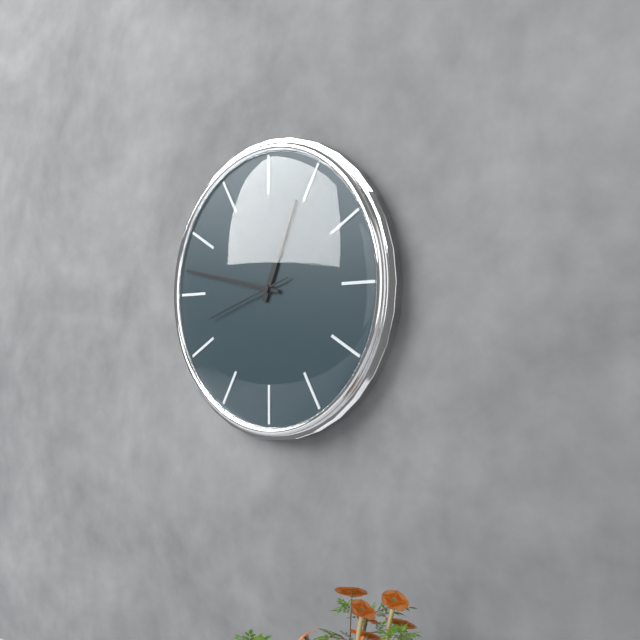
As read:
**12:47:42**
